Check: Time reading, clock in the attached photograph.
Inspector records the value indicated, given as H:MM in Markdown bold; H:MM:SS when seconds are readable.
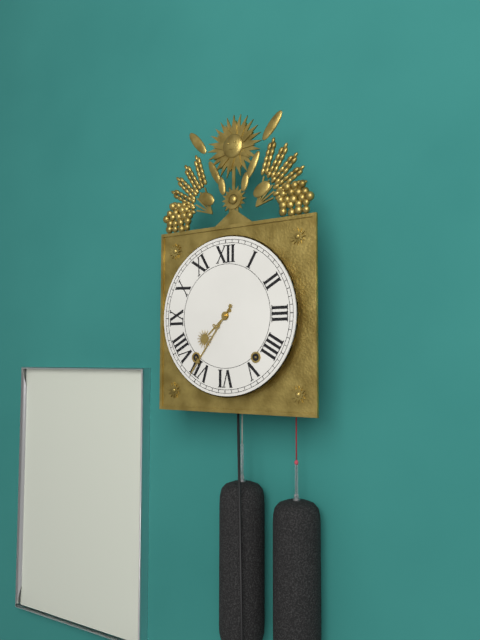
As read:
**7:36**
